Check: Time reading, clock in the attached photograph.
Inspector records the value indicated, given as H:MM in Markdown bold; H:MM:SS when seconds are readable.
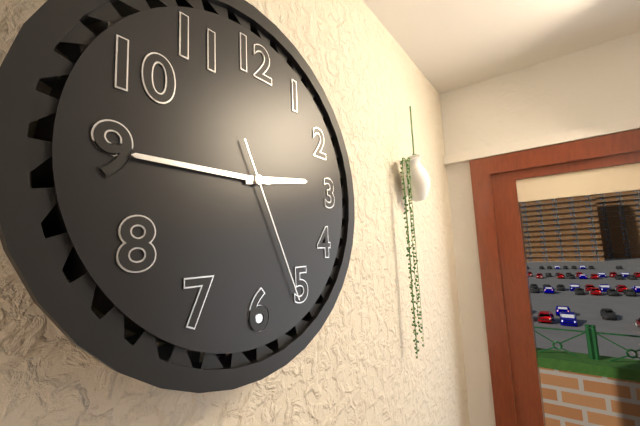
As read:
**2:45:26**
